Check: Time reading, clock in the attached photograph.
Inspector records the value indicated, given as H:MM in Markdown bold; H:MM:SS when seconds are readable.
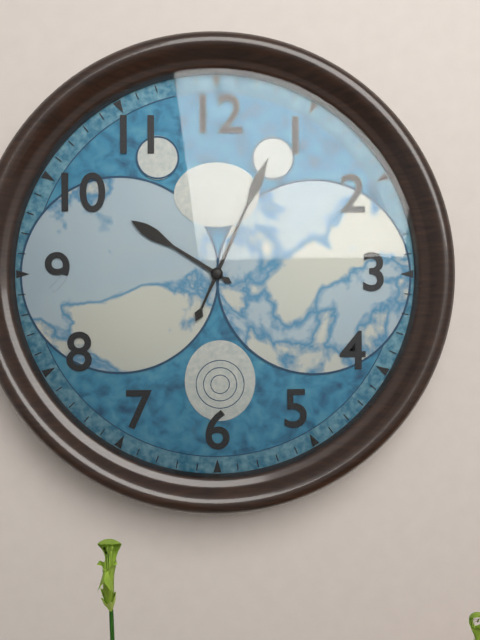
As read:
**10:04**
